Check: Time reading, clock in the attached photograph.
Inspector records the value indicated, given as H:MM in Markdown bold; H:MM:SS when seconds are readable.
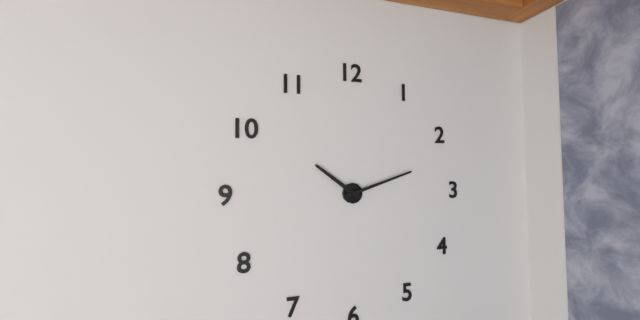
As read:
**10:12**
